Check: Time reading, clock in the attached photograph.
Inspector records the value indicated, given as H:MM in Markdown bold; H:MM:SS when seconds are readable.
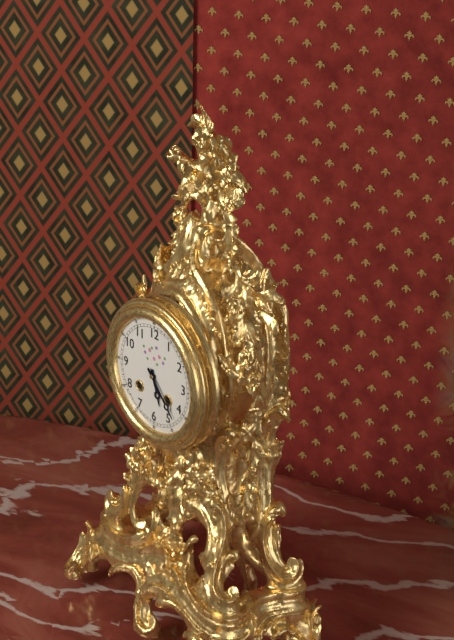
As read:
**5:23**
